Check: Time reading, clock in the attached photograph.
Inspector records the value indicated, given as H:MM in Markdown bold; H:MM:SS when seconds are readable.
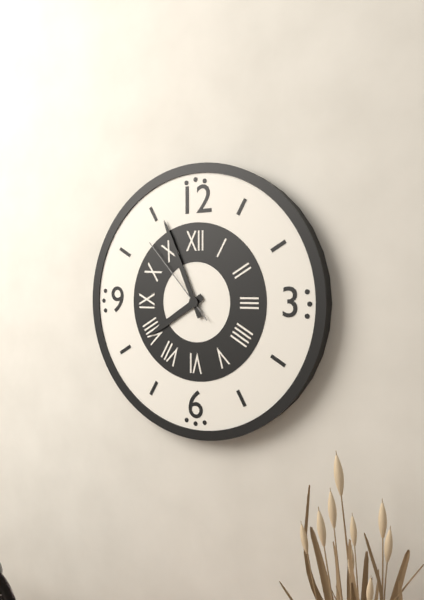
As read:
**7:56:53**
